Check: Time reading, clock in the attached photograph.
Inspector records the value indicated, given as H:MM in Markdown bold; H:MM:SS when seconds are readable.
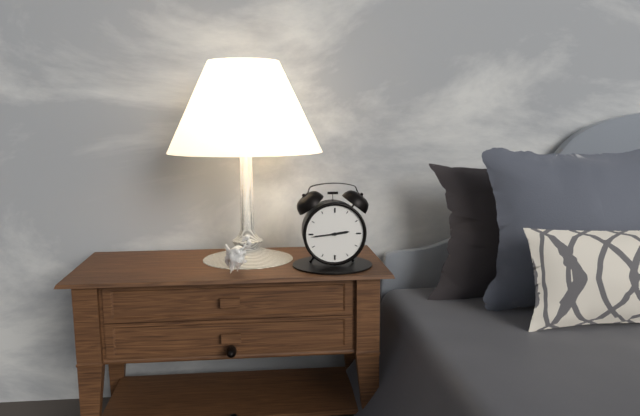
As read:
**2:44**
